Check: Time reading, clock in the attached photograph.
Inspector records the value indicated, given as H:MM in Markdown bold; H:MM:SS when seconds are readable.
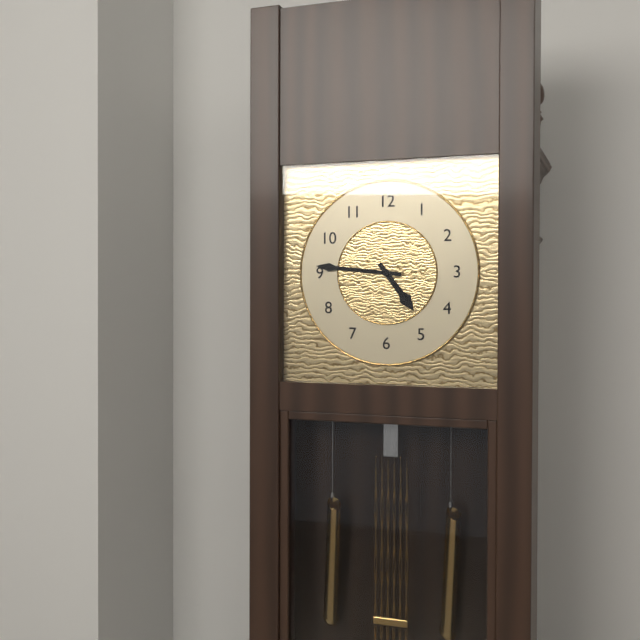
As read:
**4:46**
